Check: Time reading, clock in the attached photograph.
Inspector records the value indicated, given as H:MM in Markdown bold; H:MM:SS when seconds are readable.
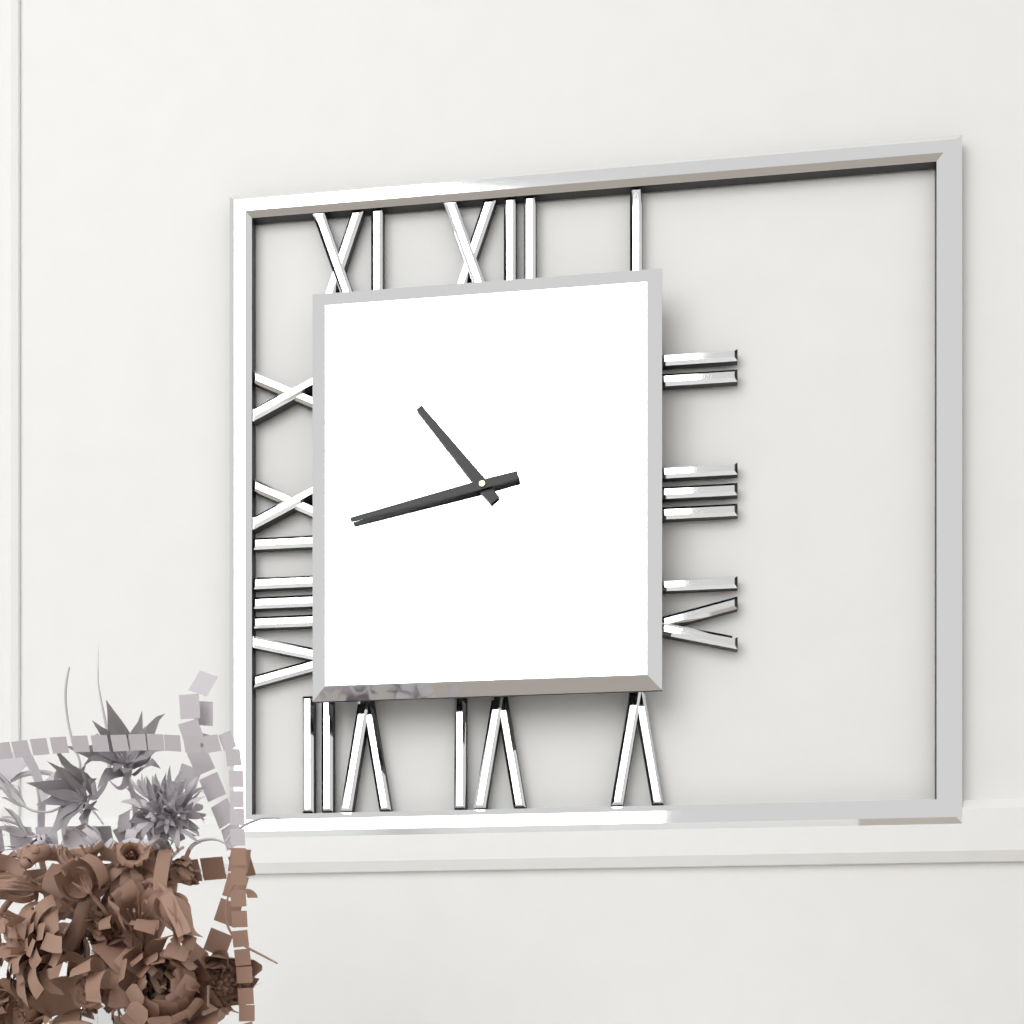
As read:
**10:43**
